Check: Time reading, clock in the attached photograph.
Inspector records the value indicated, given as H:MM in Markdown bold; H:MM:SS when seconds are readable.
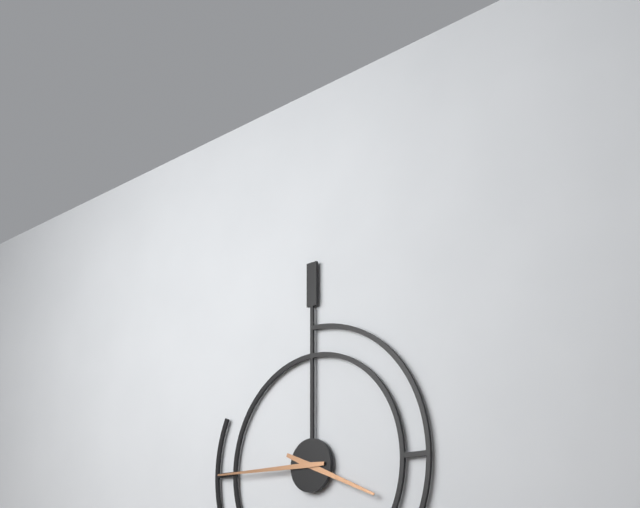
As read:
**3:45**
